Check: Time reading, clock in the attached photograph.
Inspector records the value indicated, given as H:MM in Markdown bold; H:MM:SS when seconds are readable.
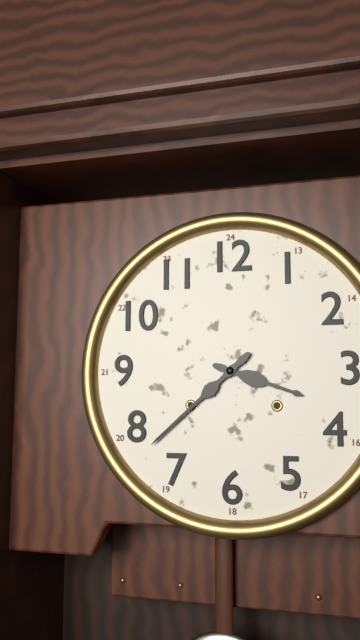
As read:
**3:38**
